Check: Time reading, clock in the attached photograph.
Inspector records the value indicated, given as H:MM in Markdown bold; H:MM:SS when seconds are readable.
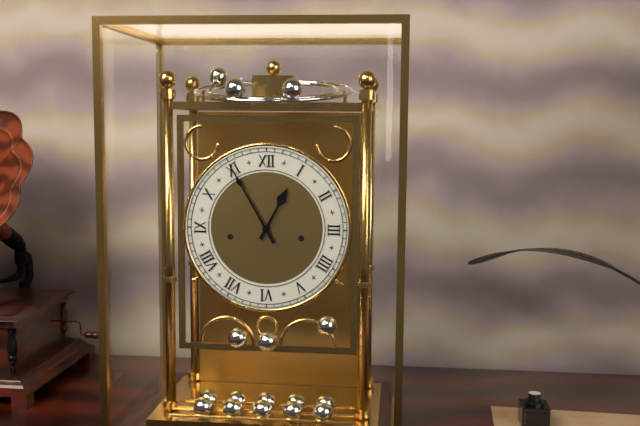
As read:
**12:55**
